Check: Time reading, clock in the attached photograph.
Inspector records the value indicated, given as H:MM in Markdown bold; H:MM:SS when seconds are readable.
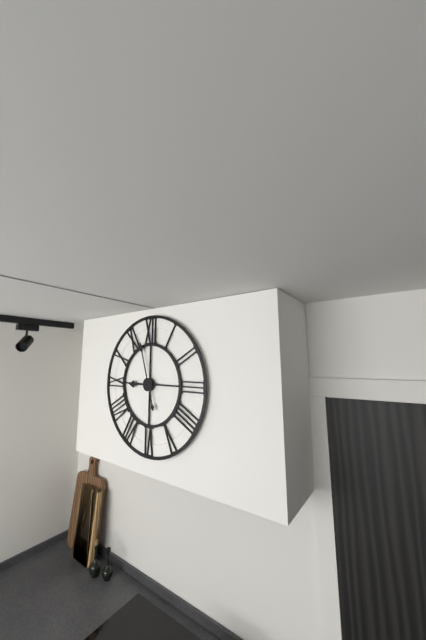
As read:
**8:57**
